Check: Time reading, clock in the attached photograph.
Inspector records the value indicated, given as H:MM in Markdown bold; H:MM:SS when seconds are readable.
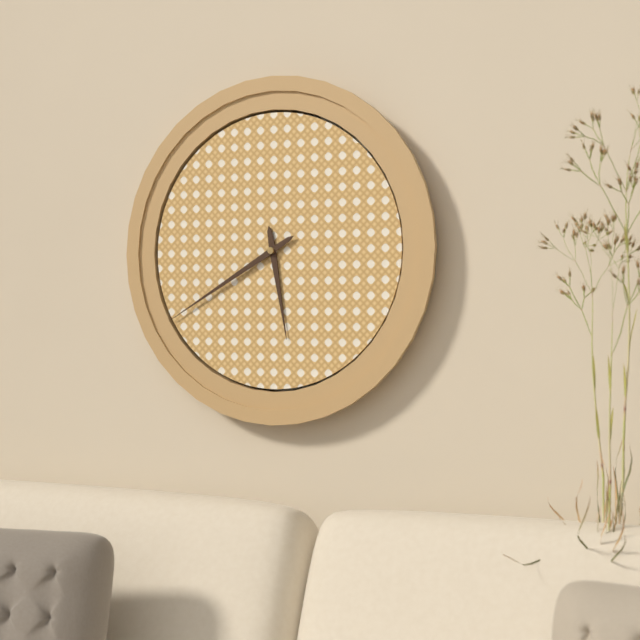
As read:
**5:40**
